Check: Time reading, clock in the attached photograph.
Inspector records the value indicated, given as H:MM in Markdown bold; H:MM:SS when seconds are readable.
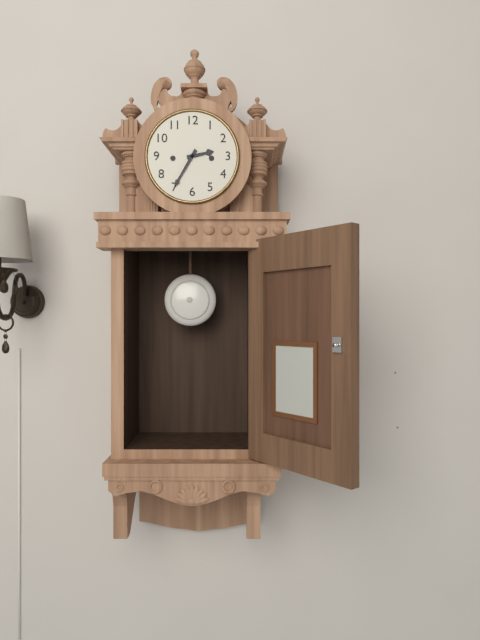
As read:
**2:35**
